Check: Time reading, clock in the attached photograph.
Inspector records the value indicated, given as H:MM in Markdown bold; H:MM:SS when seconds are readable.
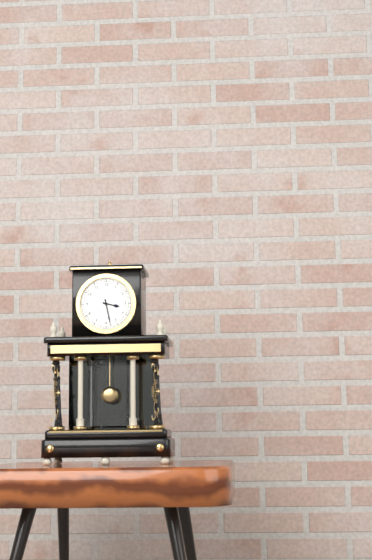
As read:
**3:28**
